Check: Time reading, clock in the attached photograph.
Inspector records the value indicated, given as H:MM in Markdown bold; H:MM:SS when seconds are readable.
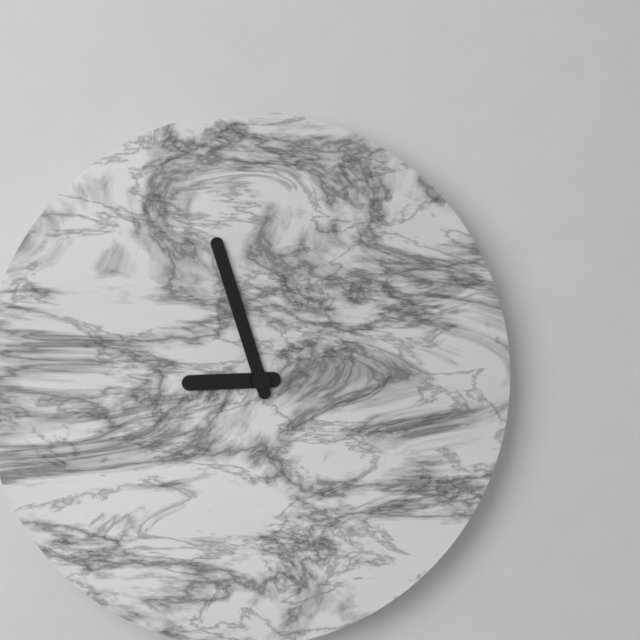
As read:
**8:57**
